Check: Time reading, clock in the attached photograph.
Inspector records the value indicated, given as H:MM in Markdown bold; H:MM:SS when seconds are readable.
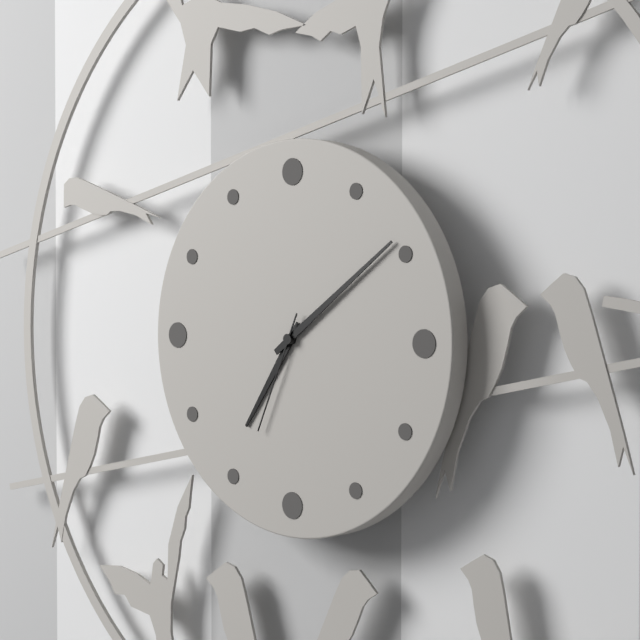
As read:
**7:09:34**
